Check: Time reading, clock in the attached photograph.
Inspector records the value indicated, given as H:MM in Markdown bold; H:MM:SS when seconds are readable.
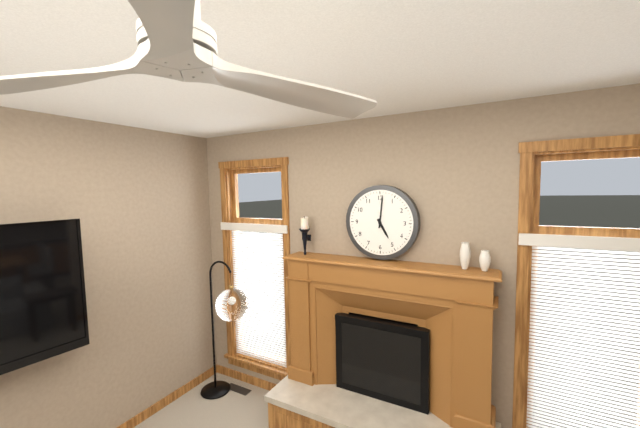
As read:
**5:01**
